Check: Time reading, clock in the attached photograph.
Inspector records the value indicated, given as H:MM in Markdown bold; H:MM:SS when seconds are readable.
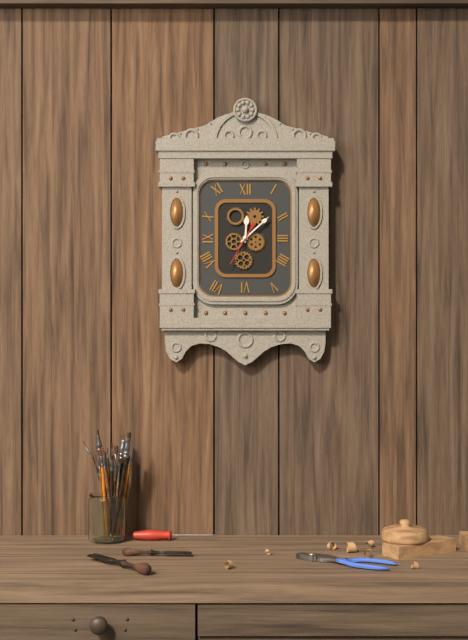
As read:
**12:08**
